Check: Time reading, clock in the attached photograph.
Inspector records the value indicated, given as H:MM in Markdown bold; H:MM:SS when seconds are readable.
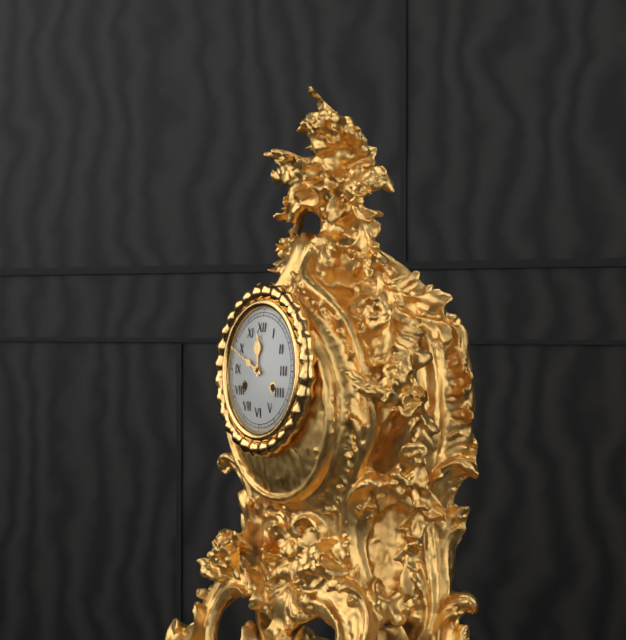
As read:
**11:49**
